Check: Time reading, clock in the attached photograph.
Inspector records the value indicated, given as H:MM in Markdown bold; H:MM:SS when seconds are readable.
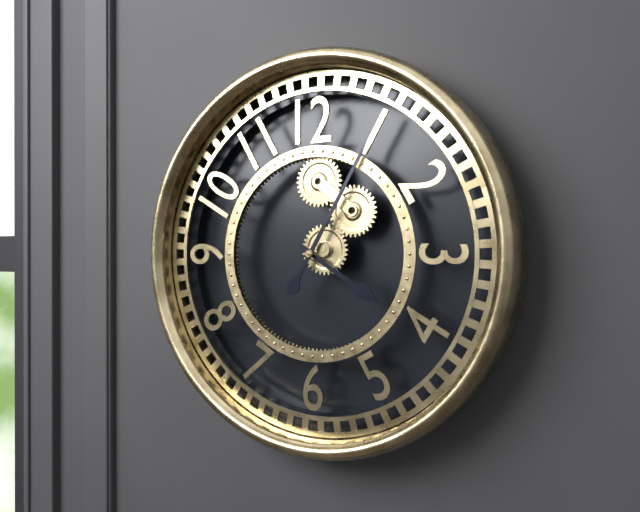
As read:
**4:05**
